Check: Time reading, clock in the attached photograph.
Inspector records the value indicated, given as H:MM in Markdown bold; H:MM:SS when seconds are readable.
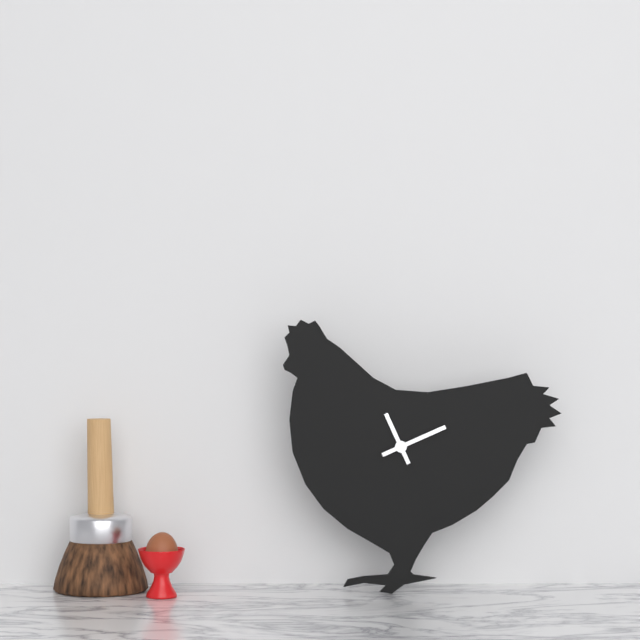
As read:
**11:11**
